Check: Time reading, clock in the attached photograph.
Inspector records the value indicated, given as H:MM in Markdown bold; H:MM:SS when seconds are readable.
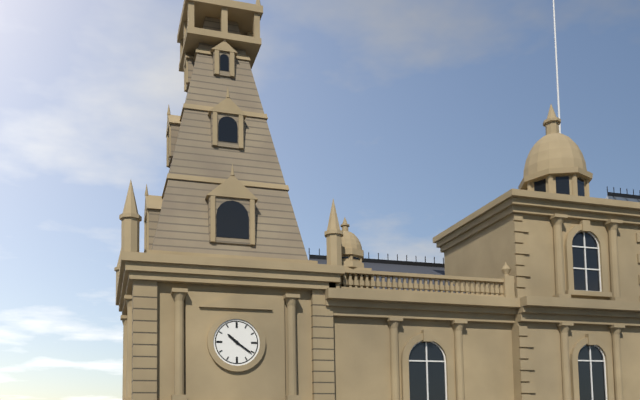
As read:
**10:21**
